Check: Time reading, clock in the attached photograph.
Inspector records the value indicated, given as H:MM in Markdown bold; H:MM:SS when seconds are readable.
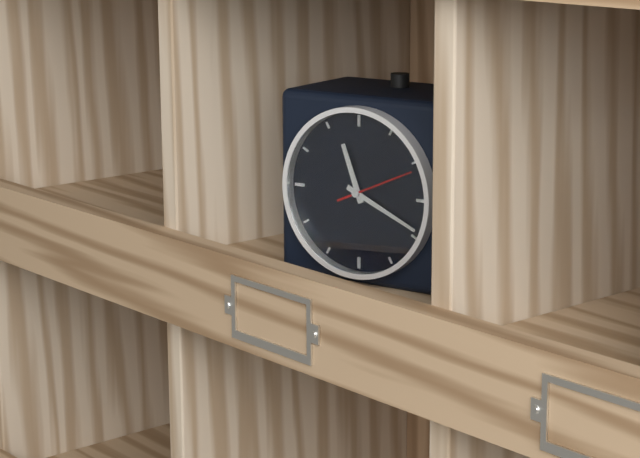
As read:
**11:19:11**
